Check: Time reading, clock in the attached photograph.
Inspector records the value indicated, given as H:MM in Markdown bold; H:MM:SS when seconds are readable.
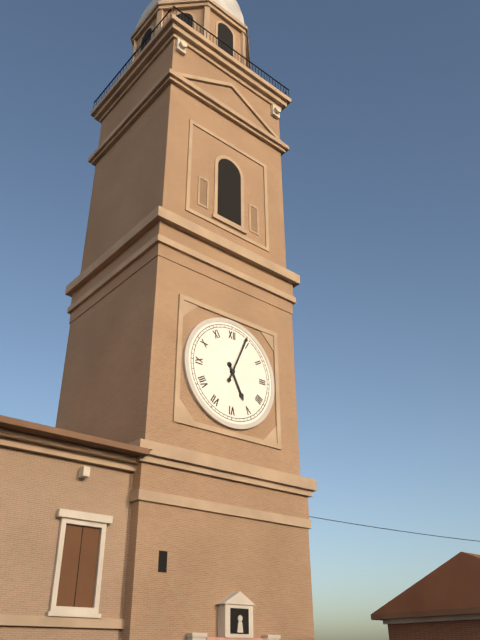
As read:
**5:04**
